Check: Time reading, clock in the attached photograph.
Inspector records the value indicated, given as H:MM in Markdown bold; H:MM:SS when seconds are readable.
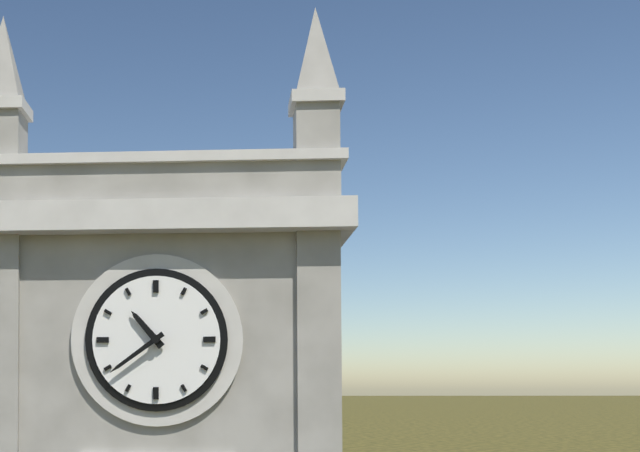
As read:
**10:39**
